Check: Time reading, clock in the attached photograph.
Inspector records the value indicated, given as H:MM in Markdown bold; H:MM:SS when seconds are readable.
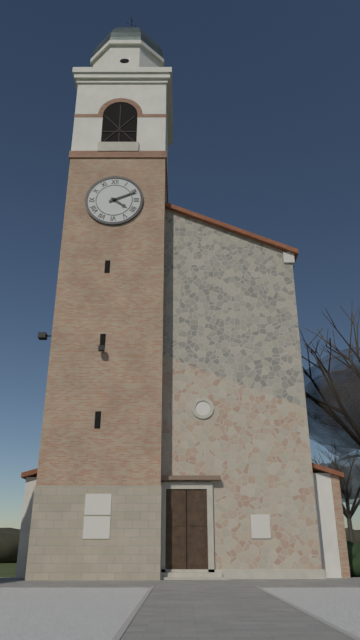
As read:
**4:11**
